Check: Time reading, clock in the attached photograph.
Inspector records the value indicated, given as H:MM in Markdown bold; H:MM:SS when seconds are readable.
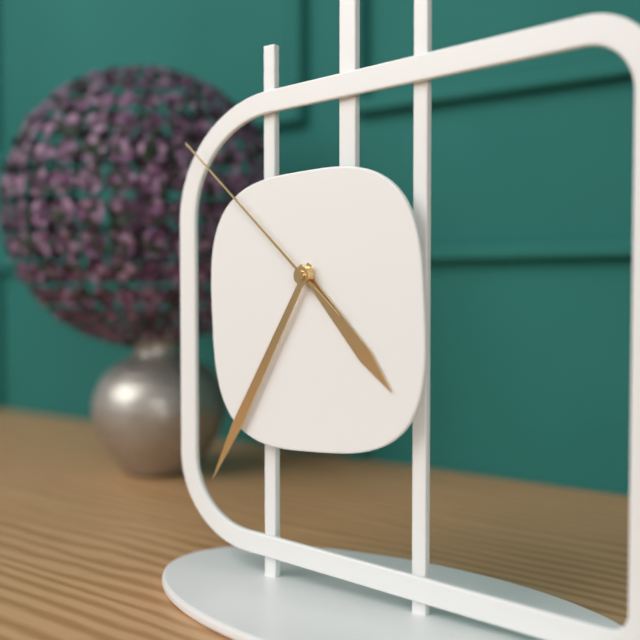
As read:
**4:35:52**
